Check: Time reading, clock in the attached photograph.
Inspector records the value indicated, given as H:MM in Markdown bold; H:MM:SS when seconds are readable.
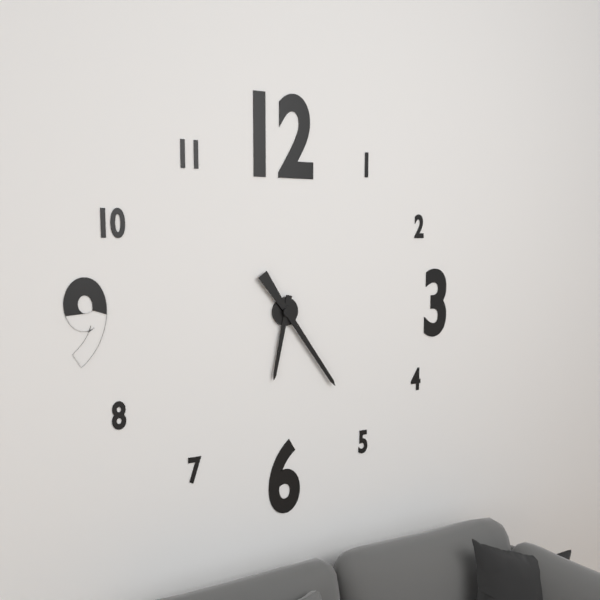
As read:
**6:24**
